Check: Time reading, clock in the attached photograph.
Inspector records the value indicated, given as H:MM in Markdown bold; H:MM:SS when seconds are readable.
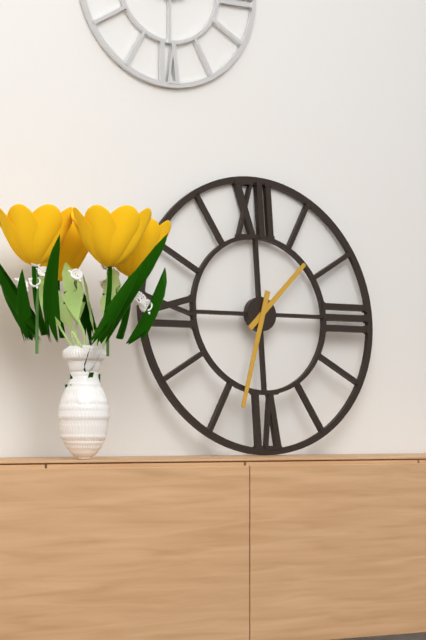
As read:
**1:33**
